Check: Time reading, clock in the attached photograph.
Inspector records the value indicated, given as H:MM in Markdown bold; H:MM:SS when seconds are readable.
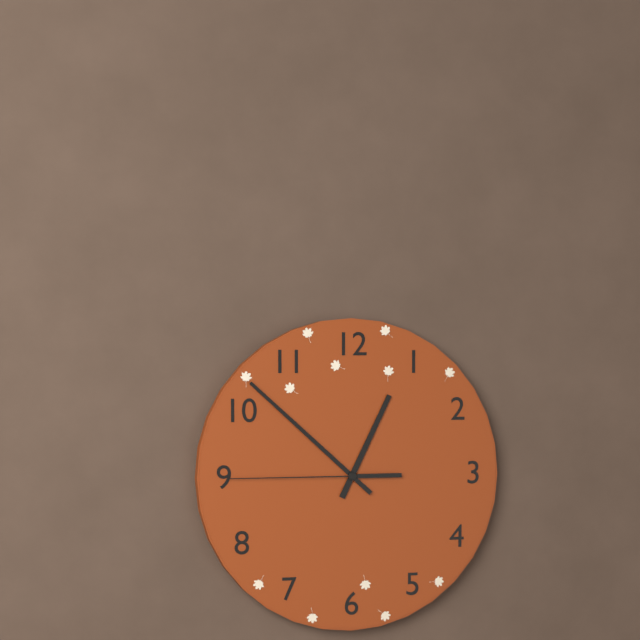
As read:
**12:52:45**
